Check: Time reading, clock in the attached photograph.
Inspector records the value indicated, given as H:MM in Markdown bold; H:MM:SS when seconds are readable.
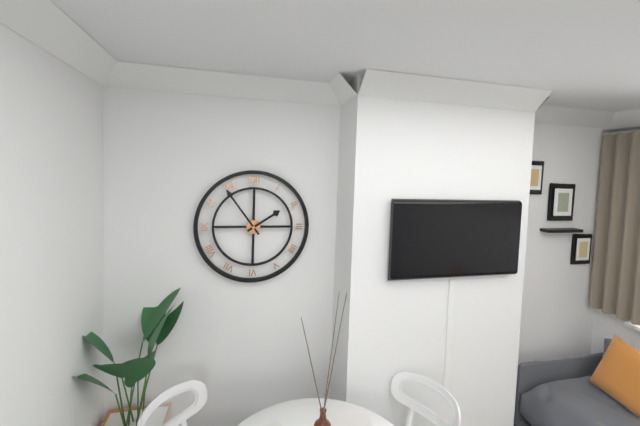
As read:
**1:54**
